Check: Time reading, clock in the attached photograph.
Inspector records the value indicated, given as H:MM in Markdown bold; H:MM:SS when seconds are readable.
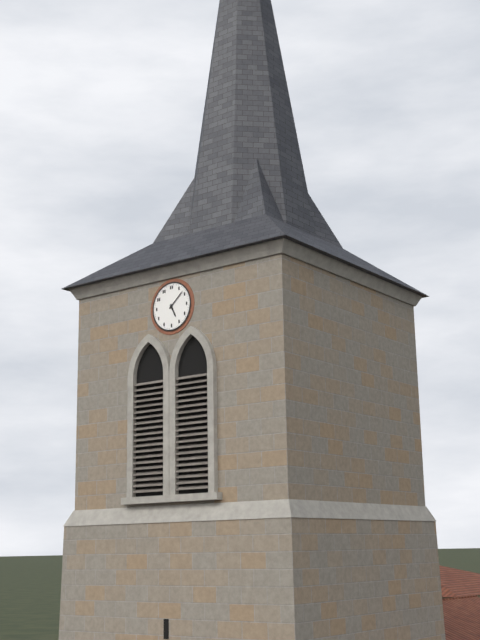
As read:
**5:08**
